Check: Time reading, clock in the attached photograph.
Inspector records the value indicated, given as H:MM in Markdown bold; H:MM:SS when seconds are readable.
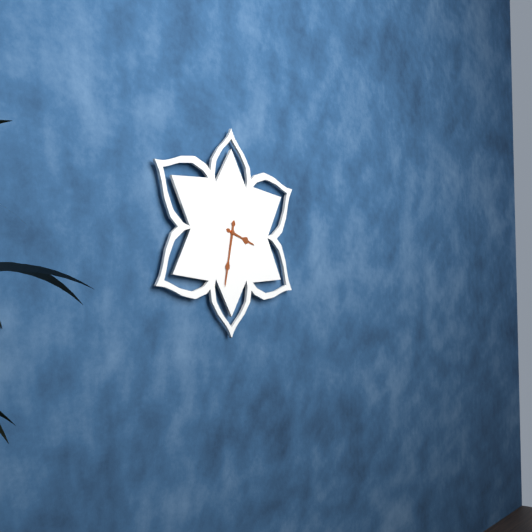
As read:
**3:32**
